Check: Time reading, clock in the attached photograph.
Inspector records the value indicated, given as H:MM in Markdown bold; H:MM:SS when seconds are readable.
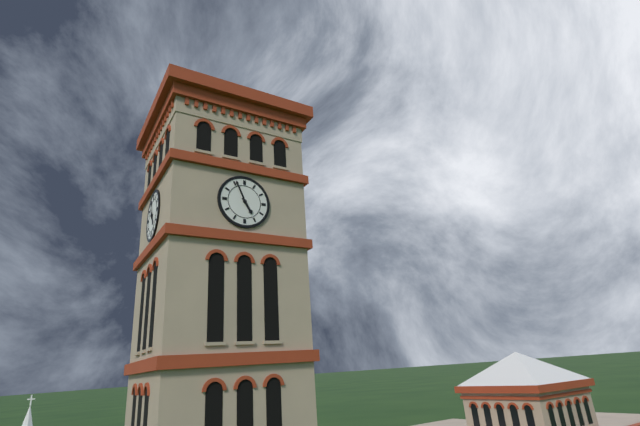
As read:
**4:56**
